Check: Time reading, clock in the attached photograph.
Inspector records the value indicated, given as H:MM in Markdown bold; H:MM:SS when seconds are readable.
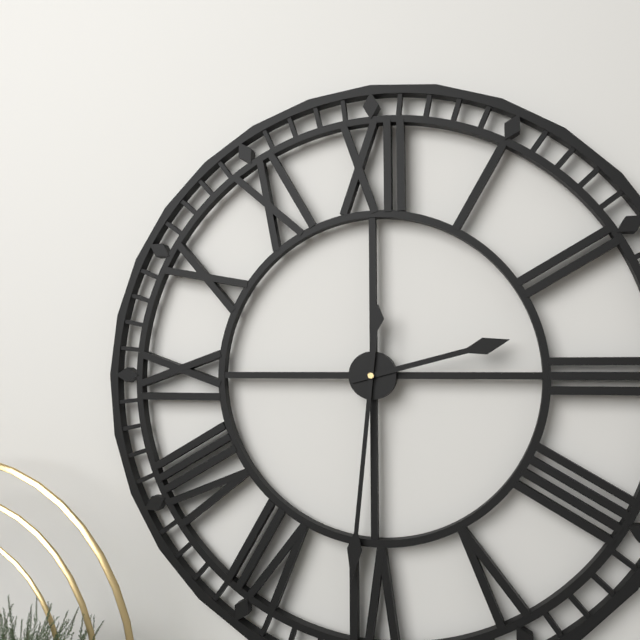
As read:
**2:31**
